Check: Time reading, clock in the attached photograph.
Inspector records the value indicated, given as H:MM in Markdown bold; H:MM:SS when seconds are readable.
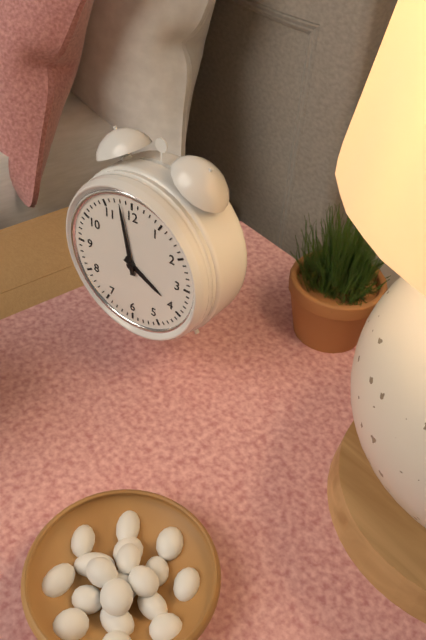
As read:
**3:58**
